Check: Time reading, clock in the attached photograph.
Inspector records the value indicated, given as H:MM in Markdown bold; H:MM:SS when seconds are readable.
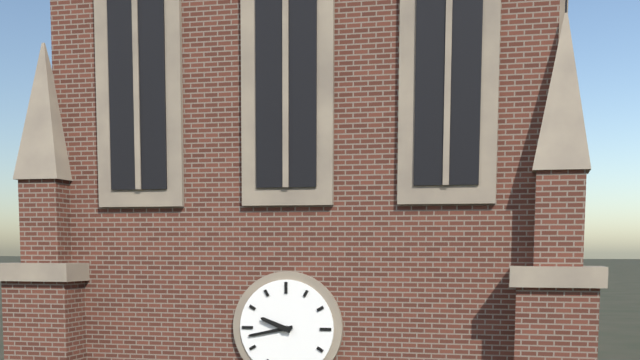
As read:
**9:43**
